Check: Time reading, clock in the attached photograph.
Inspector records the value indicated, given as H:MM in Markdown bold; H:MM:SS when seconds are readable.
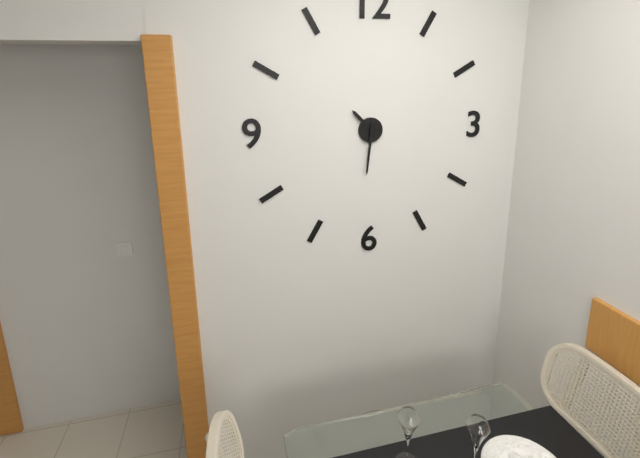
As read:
**10:31**
